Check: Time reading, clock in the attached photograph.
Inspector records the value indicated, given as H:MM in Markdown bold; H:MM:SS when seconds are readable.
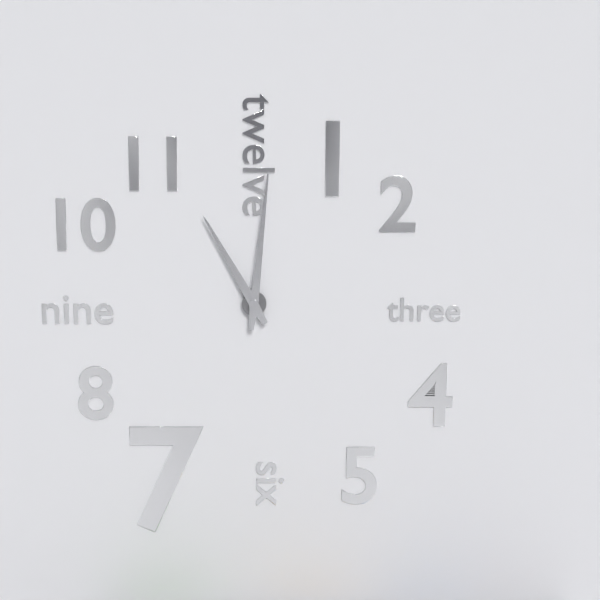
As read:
**11:01**
